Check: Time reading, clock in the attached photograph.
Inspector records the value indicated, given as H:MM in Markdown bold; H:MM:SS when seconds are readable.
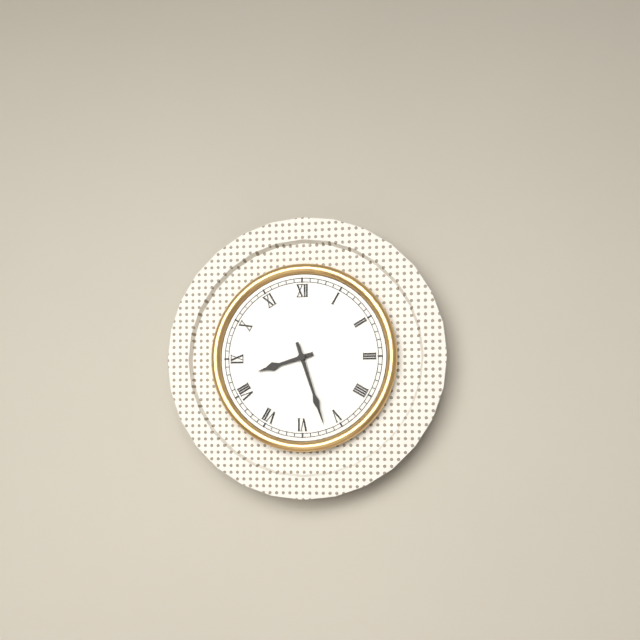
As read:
**8:27**
